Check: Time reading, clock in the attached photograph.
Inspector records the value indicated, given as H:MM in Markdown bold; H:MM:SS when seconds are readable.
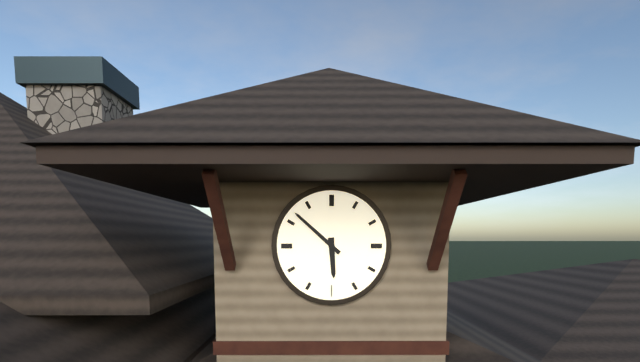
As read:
**5:52**
